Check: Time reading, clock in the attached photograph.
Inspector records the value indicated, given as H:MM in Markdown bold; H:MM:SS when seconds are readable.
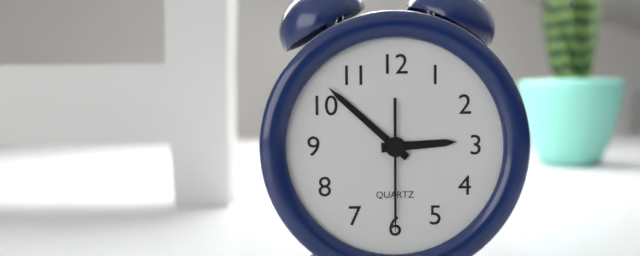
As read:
**2:52:30**
